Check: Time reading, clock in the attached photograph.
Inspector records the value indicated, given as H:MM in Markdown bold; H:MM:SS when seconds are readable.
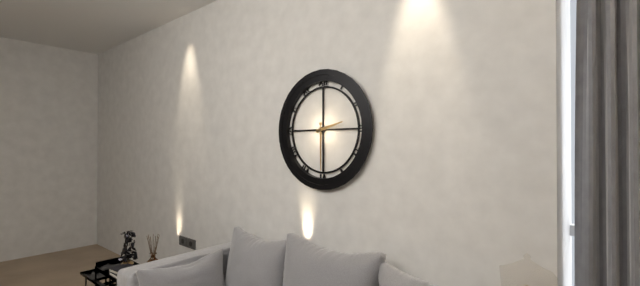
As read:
**2:30**
